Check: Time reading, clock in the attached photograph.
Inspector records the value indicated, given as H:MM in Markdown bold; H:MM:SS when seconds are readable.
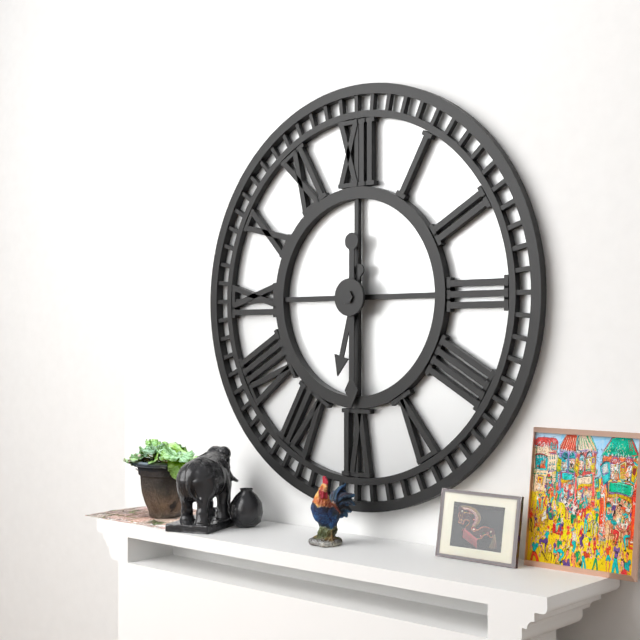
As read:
**6:30**
